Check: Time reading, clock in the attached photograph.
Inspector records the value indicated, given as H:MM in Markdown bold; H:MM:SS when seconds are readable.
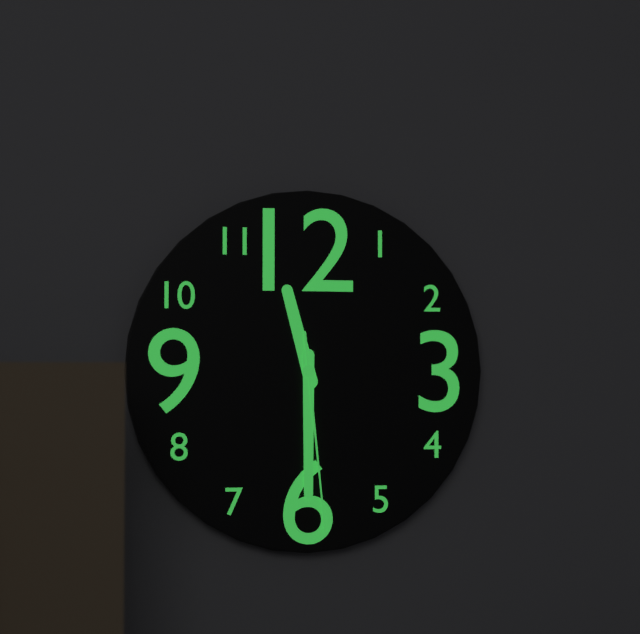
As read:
**11:30:29**
